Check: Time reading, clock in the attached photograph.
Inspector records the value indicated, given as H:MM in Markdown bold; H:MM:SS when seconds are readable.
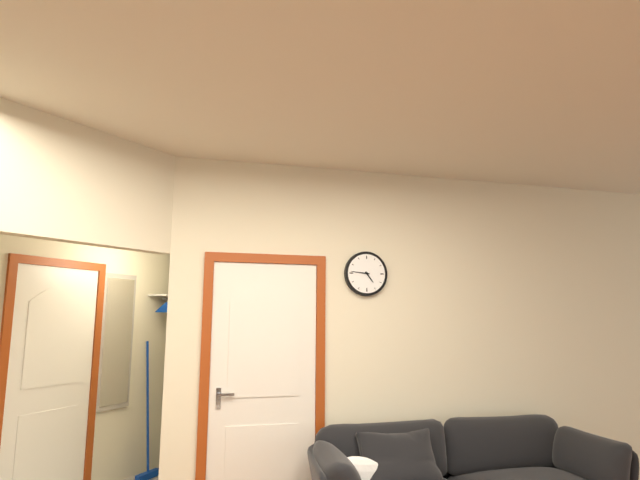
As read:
**4:46**
